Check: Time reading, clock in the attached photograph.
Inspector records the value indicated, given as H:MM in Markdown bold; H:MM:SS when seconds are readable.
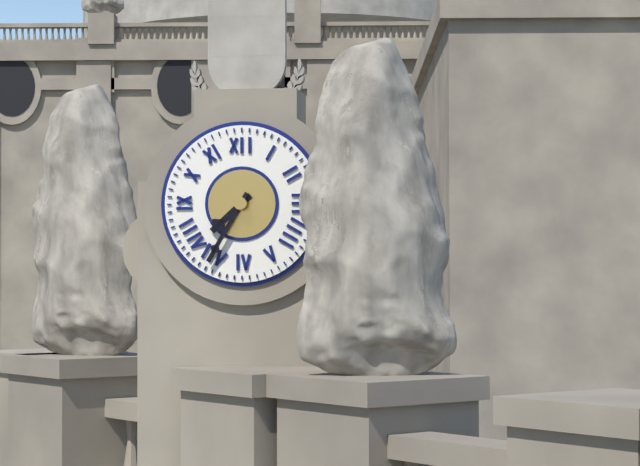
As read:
**7:35**
